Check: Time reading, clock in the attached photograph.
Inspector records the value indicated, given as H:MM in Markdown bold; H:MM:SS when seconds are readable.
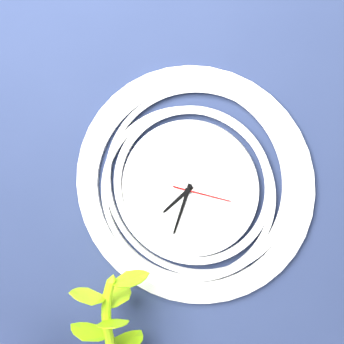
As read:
**7:33:17**
